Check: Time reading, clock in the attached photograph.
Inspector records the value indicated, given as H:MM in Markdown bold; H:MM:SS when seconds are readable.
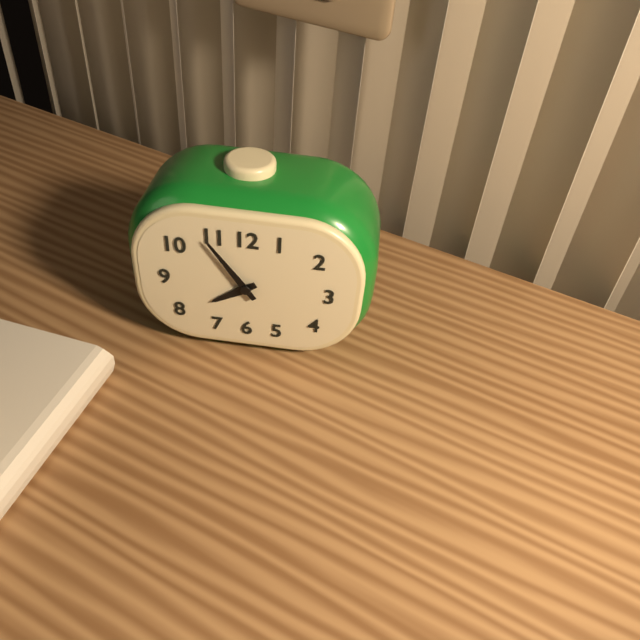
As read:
**7:54**
